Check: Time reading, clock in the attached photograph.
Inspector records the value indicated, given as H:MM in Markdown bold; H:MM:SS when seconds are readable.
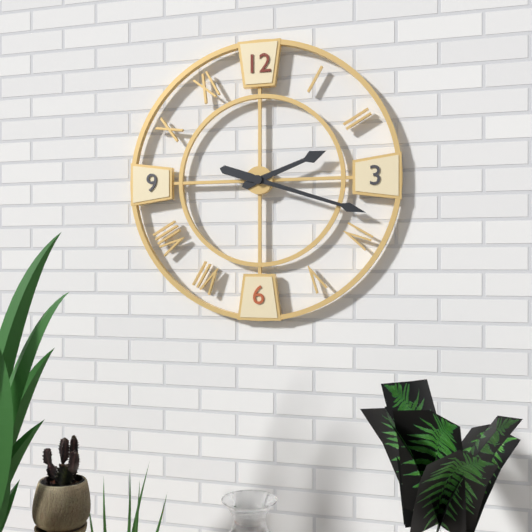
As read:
**2:18**
